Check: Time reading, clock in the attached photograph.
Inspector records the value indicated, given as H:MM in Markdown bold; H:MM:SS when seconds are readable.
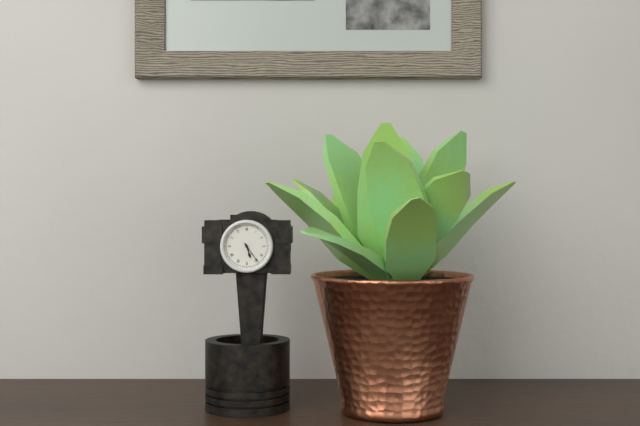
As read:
**5:24**
